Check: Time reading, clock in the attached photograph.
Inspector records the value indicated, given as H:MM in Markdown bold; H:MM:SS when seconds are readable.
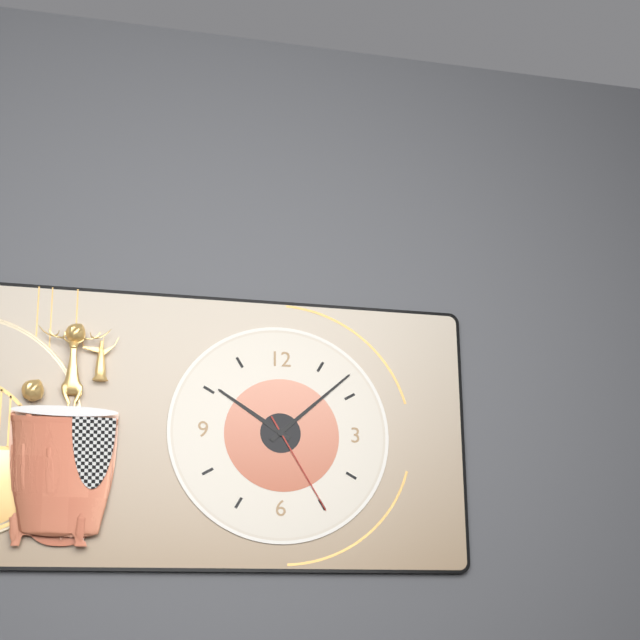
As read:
**10:08:25**
